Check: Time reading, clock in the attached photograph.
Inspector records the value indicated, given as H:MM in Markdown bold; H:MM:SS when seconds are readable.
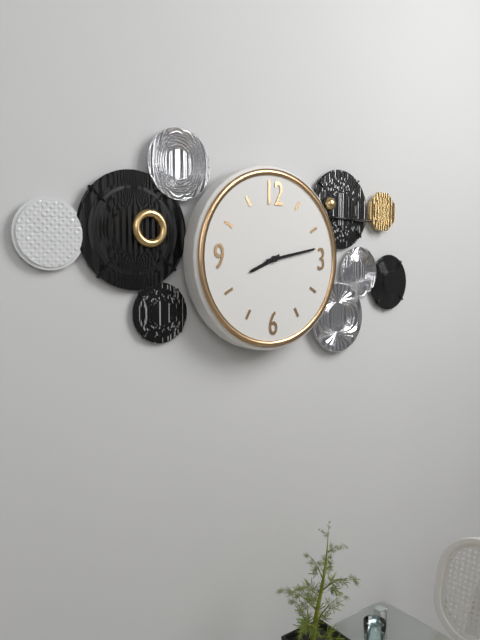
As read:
**8:13**
